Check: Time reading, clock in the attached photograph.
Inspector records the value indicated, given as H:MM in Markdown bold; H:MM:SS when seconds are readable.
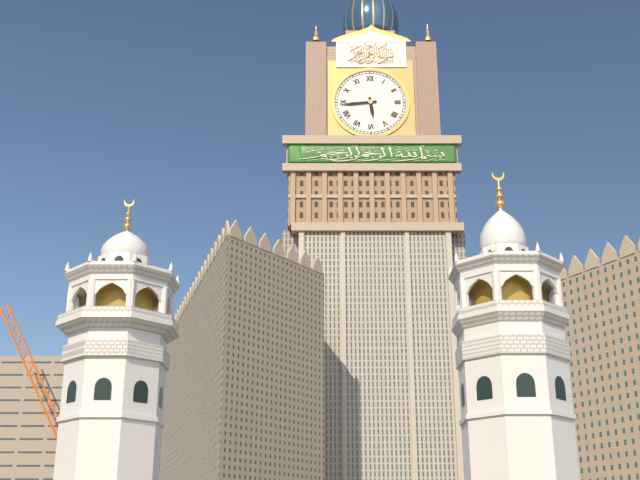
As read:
**5:44**
